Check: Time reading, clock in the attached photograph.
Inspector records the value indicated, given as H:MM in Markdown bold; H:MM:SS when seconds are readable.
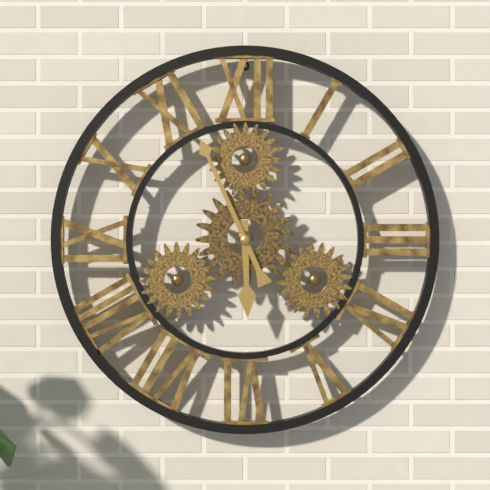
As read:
**5:56**
